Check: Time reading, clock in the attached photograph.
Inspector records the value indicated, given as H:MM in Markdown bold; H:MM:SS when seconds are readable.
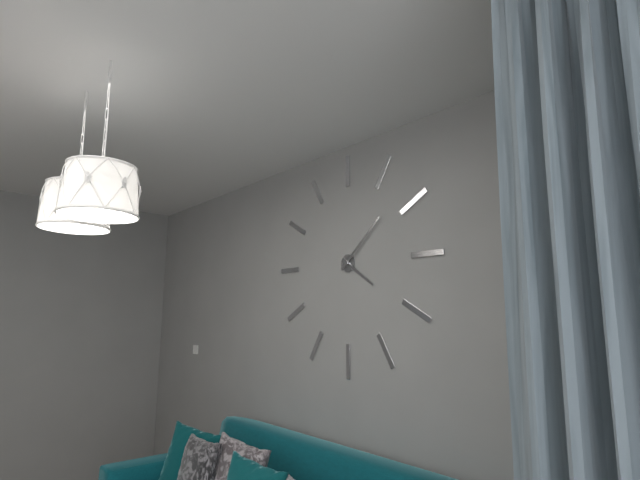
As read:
**4:08**
